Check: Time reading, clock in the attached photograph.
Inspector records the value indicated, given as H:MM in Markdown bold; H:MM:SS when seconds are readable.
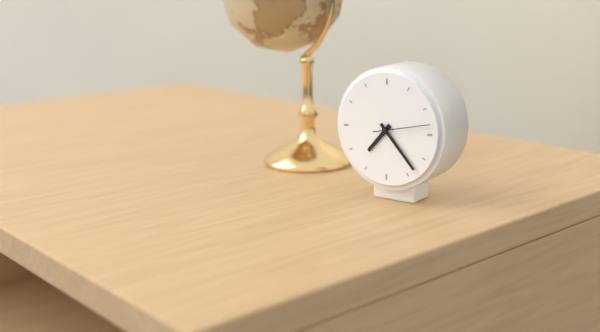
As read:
**7:23:13**
